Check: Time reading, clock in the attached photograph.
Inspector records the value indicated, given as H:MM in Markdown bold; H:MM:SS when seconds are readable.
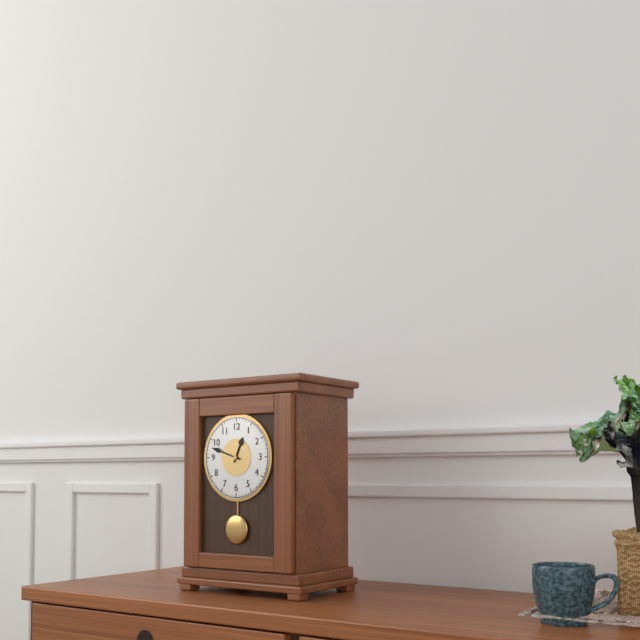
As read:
**12:48**
